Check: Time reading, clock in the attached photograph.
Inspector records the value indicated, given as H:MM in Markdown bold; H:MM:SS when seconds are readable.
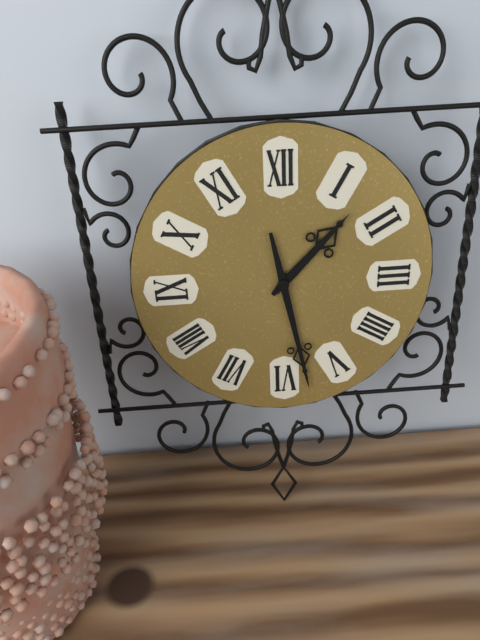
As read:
**1:28**
